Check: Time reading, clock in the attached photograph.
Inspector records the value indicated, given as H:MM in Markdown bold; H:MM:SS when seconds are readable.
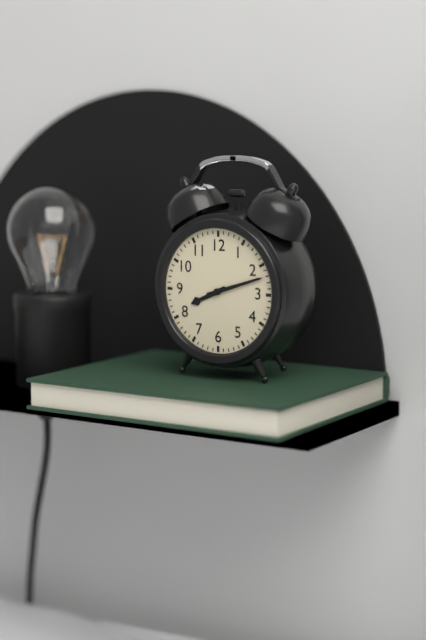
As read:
**8:12**
